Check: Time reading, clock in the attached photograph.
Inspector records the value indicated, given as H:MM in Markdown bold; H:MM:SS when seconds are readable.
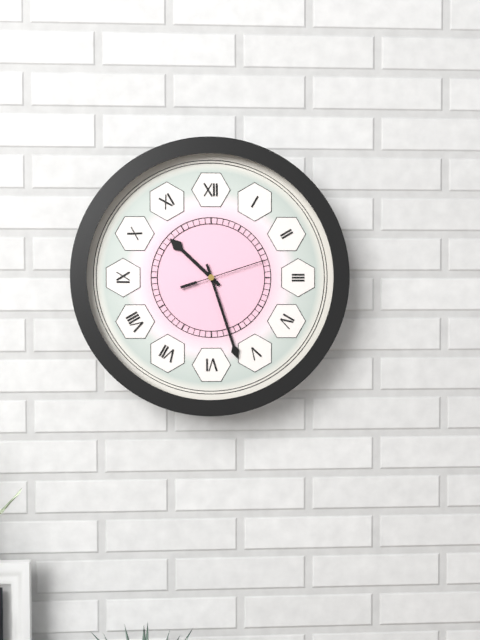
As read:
**10:27:12**
